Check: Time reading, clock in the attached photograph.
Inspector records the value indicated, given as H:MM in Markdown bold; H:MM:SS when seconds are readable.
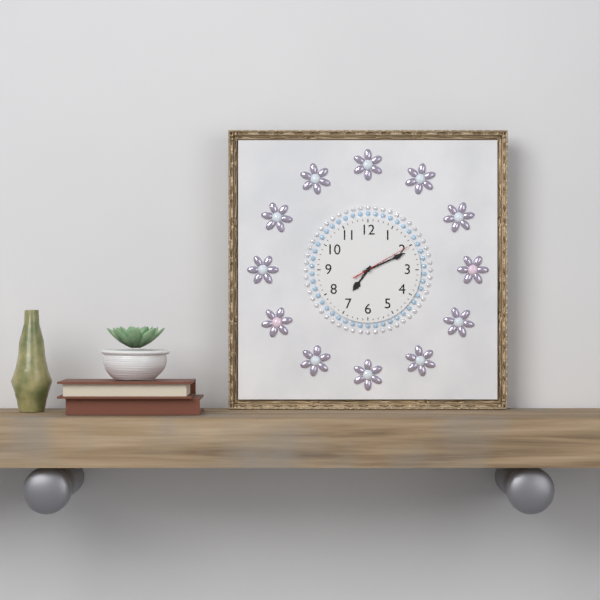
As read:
**7:11:10**
